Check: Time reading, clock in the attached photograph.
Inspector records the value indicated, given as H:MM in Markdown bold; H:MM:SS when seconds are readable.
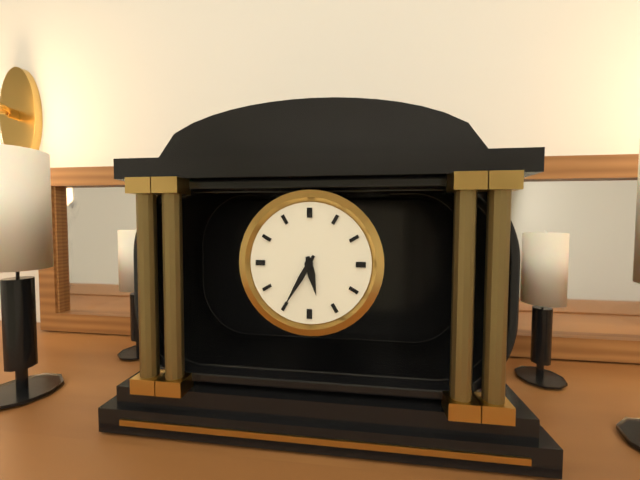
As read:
**5:35**
